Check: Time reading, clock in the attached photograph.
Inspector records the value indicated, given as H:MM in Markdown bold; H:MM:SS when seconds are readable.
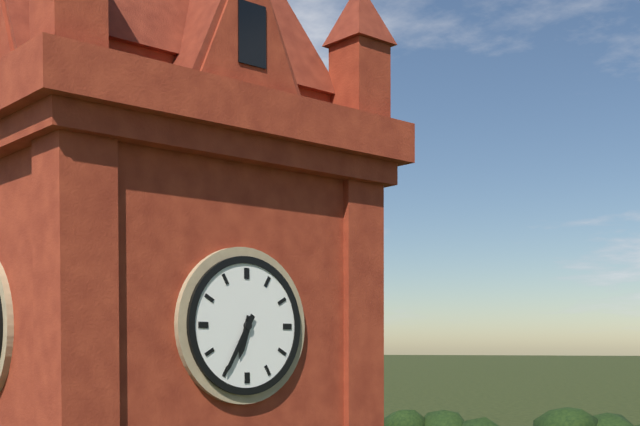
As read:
**6:35**
